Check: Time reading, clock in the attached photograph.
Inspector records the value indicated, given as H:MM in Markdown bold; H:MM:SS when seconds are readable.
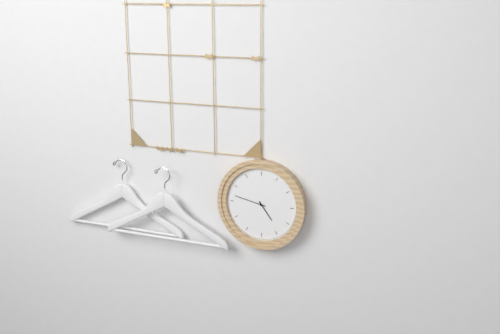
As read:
**4:47**
